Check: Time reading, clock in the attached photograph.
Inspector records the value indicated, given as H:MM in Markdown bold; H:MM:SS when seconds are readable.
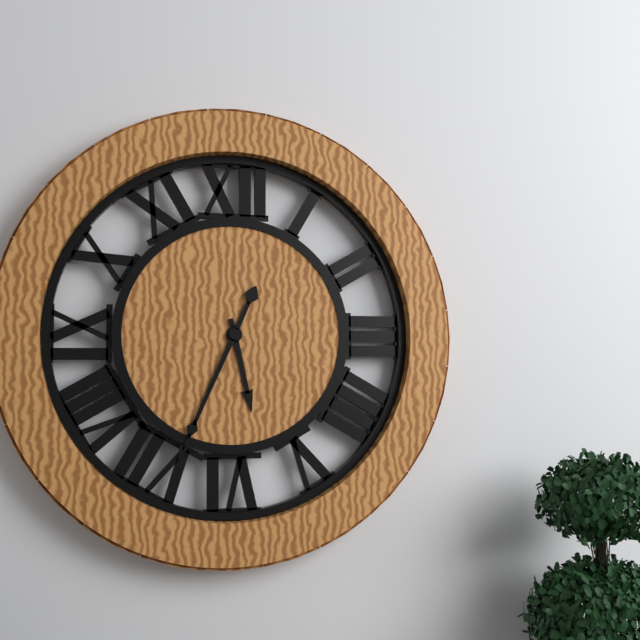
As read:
**5:34**
